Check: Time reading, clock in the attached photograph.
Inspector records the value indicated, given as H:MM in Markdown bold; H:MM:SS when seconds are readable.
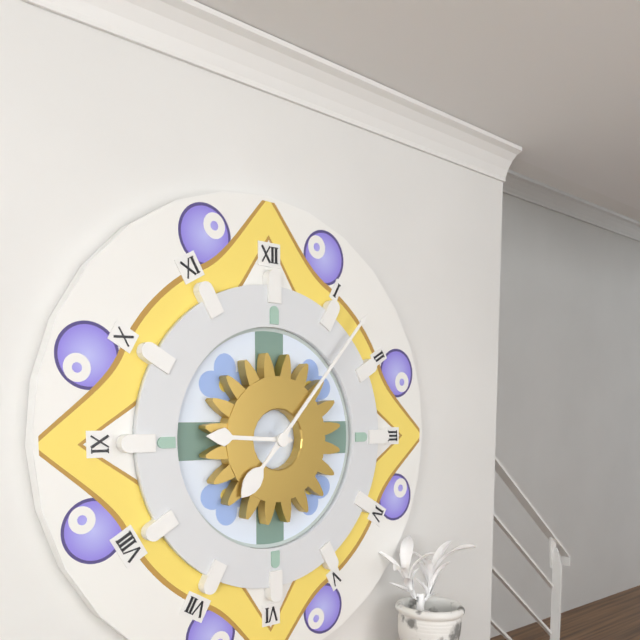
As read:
**9:07**
